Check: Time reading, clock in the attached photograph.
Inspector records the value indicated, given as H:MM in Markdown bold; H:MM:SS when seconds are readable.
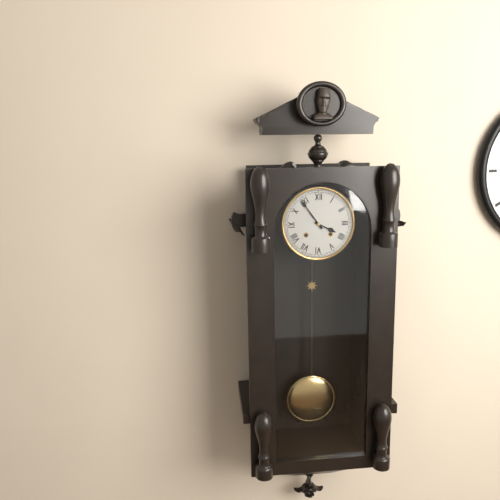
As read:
**3:54**
